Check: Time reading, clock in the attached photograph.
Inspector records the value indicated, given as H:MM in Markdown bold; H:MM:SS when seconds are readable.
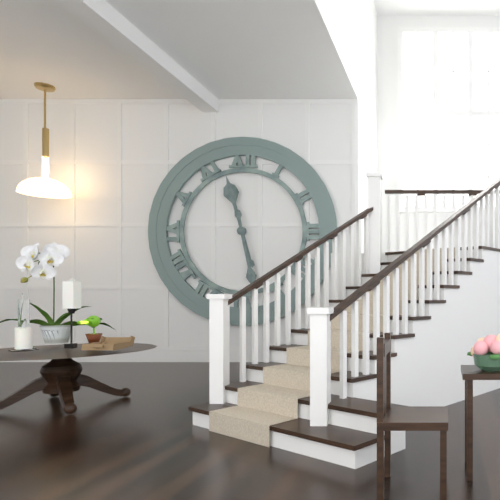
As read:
**11:28**
